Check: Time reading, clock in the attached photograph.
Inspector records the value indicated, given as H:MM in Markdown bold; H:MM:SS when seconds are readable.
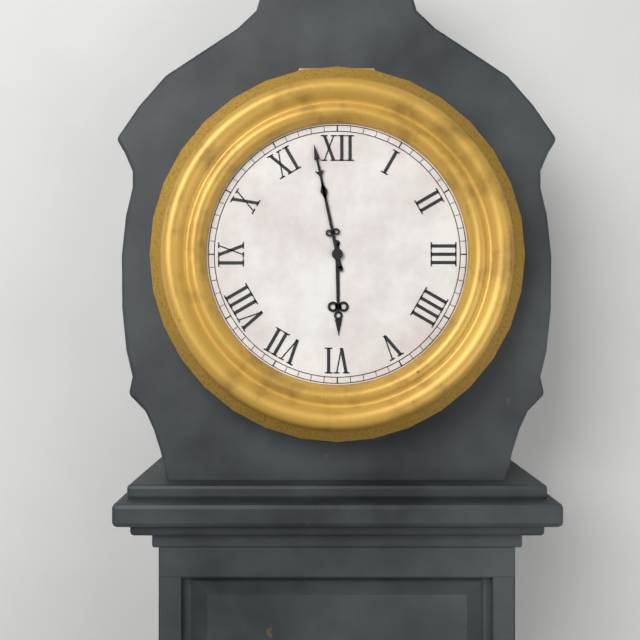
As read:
**5:58**
